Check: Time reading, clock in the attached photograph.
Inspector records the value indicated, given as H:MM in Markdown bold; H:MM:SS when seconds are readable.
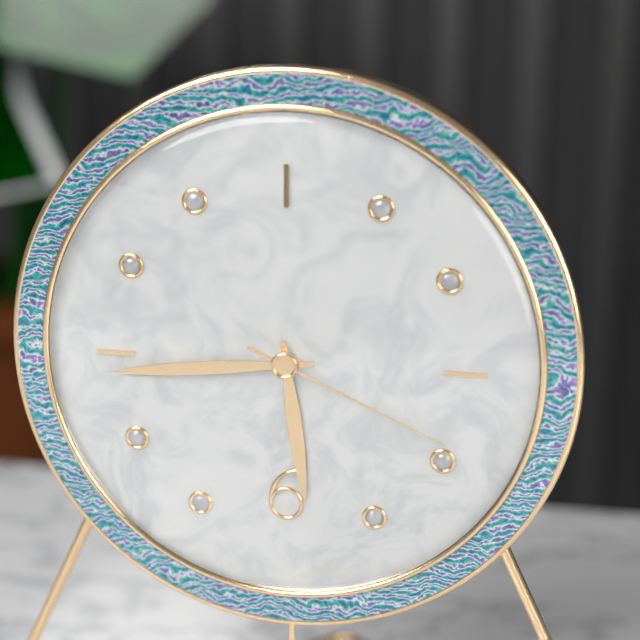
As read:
**5:44:19**
